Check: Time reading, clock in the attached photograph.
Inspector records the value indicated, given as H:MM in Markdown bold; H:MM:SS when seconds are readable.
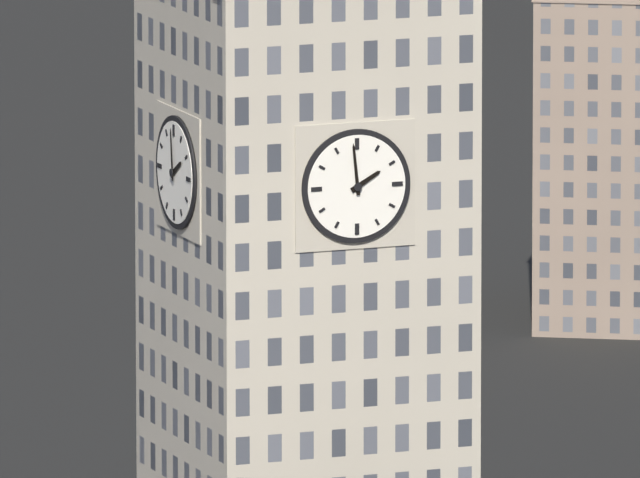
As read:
**1:59**
